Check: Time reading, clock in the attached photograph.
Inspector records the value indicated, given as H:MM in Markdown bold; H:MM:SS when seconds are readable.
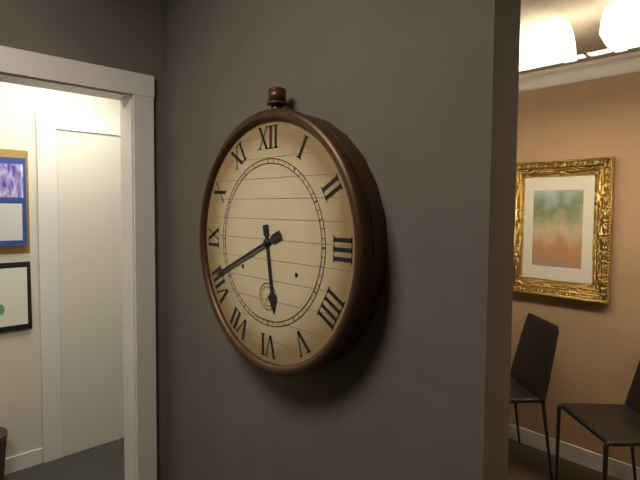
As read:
**5:41**
